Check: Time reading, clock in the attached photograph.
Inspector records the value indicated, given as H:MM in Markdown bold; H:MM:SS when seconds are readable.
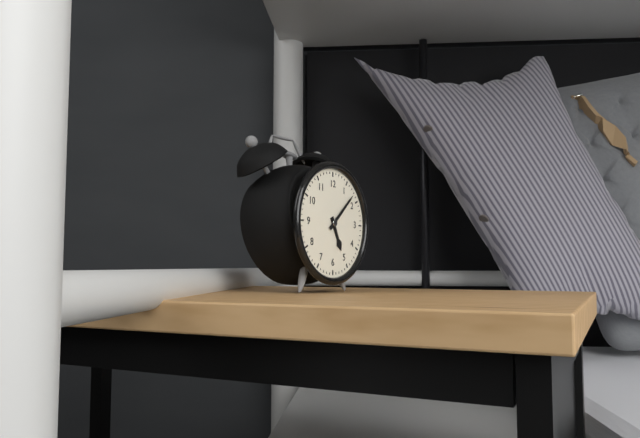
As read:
**5:08**
